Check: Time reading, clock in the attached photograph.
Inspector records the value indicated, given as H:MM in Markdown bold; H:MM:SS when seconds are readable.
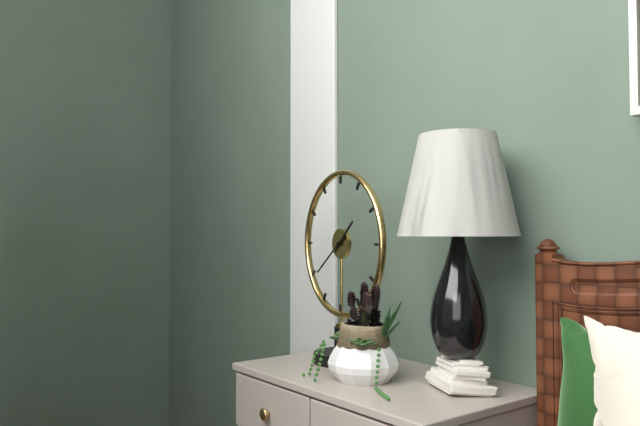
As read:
**1:39**
